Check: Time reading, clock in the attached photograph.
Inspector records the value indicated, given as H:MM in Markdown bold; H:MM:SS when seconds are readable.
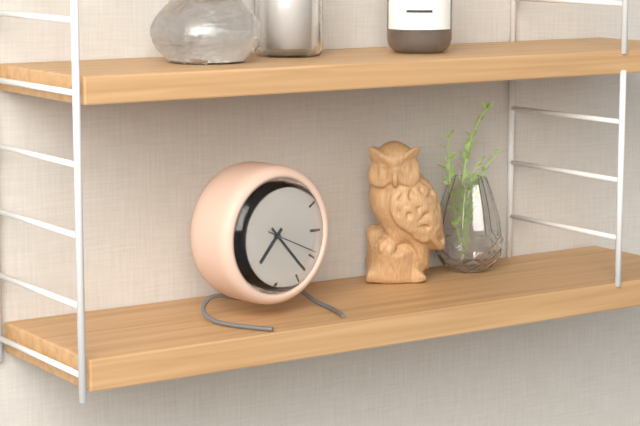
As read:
**7:23:19**
